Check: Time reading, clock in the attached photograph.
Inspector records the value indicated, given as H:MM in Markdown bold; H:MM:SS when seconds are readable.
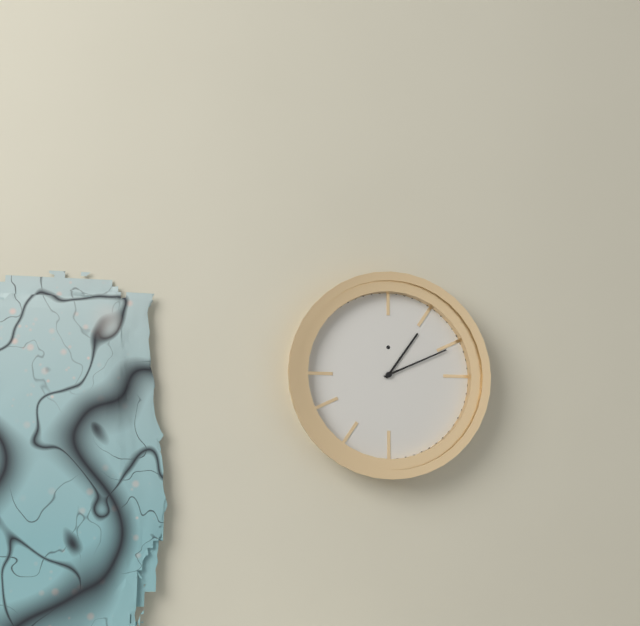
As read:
**1:11**
